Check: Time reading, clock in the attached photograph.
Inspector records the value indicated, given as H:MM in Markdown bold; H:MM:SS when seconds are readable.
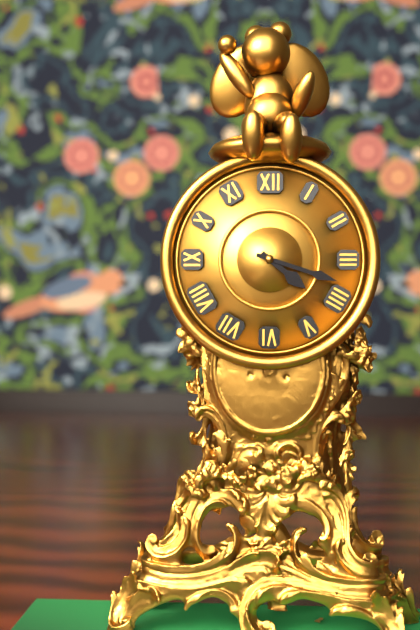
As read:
**4:18**
